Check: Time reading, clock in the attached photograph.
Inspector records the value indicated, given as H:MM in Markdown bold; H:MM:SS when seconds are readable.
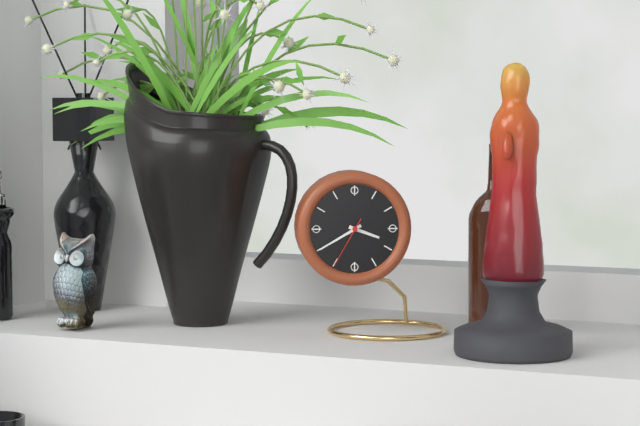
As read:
**3:40:35**
